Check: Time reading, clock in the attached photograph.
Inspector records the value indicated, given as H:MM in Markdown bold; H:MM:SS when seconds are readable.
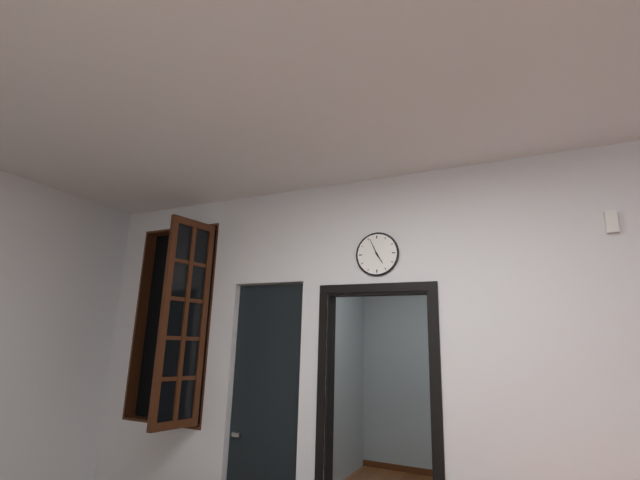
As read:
**4:56**
